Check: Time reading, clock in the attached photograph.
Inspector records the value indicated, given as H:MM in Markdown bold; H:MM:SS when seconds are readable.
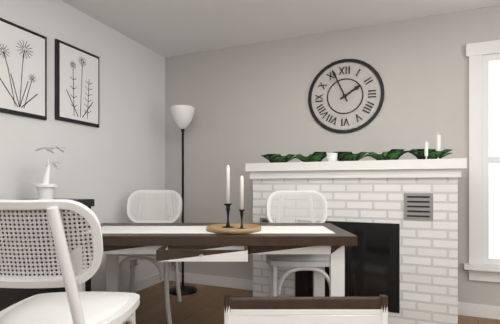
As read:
**1:56**
